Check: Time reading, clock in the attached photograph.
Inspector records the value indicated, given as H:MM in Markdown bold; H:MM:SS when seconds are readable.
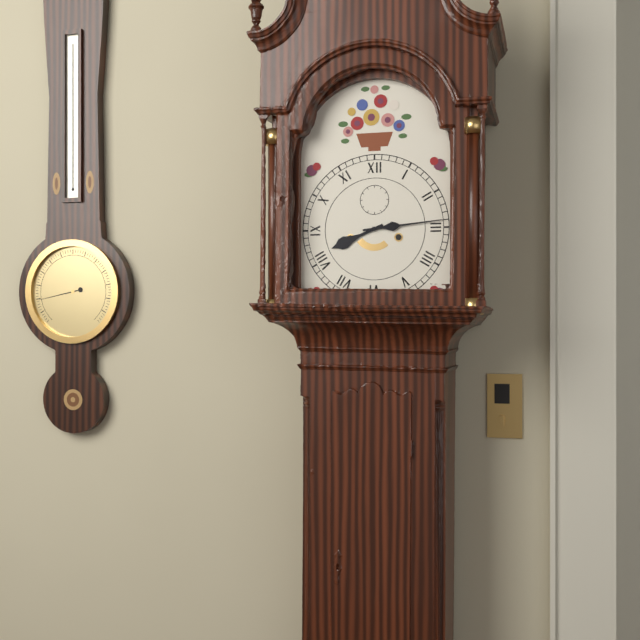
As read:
**8:14**
